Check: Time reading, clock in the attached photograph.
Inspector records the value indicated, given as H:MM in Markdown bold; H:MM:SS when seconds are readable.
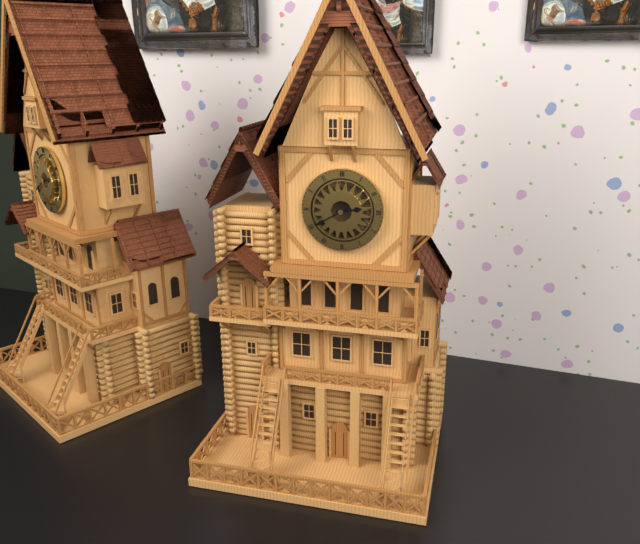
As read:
**2:40**
